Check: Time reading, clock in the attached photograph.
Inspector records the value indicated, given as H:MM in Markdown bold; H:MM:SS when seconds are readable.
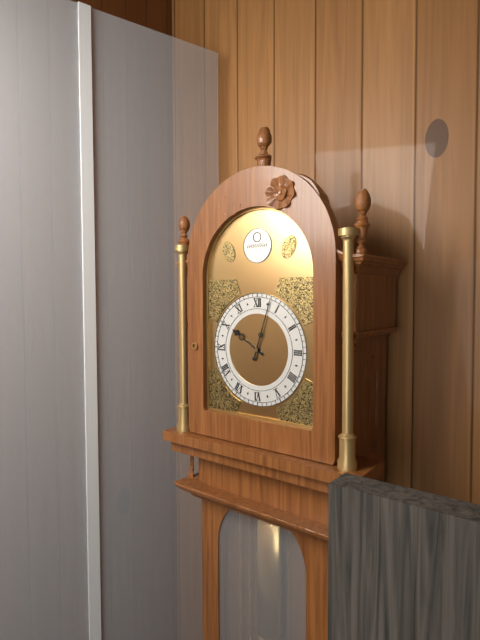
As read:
**10:03**
